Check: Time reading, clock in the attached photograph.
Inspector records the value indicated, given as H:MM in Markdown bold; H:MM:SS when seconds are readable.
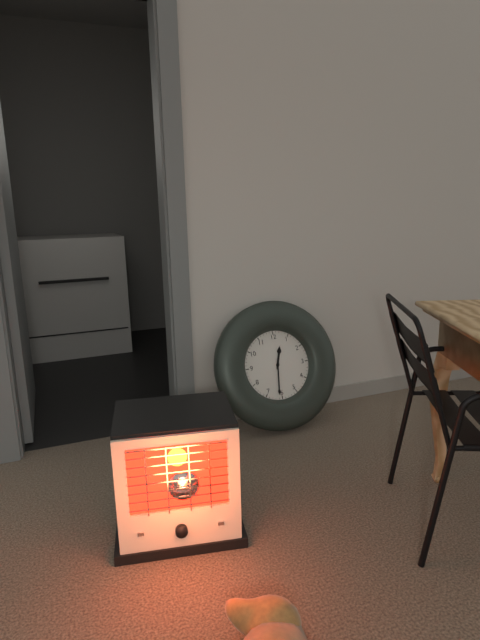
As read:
**12:31**
